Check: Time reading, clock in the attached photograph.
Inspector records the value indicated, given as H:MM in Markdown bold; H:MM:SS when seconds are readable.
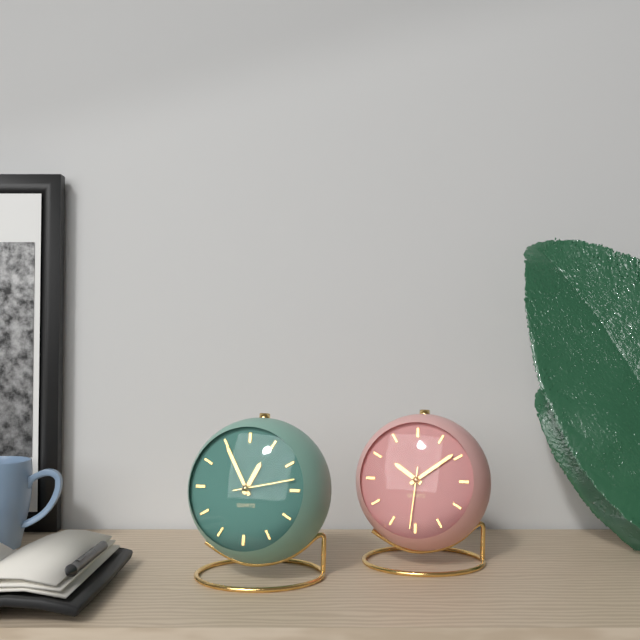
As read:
**12:55:13**
